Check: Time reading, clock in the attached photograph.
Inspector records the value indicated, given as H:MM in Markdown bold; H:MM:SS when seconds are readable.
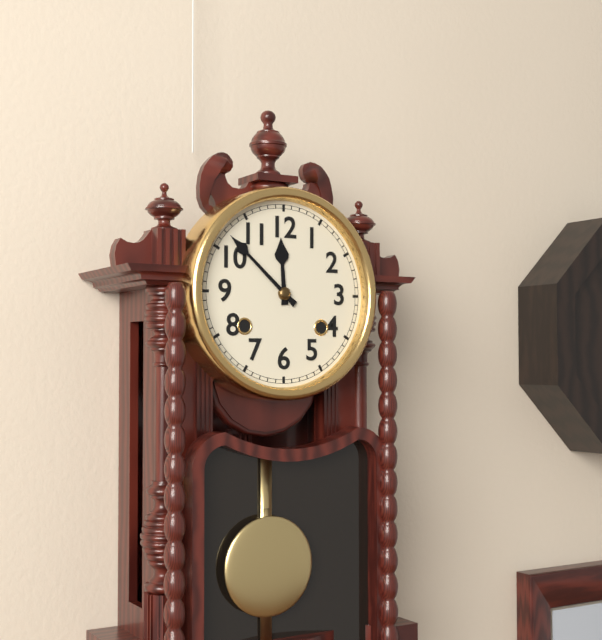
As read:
**11:52**
